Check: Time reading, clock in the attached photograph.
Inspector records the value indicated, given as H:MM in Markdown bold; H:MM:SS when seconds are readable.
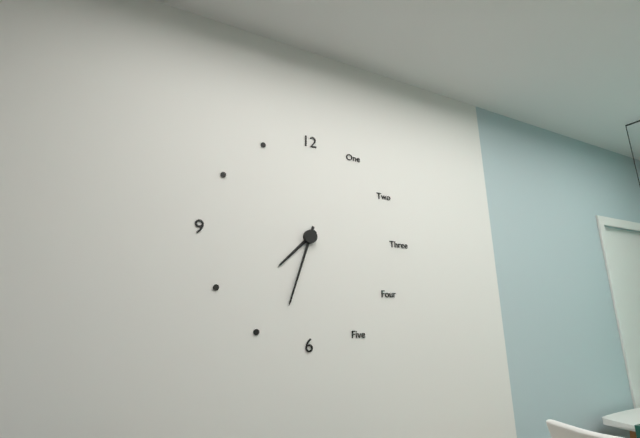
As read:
**7:33**
